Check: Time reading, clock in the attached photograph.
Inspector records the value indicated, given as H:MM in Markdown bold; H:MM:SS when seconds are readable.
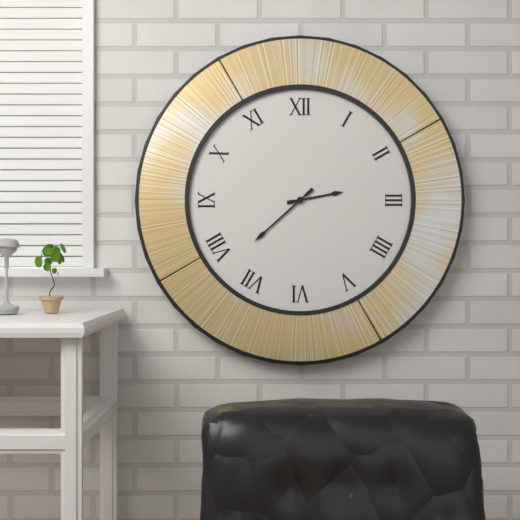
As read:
**2:38**
